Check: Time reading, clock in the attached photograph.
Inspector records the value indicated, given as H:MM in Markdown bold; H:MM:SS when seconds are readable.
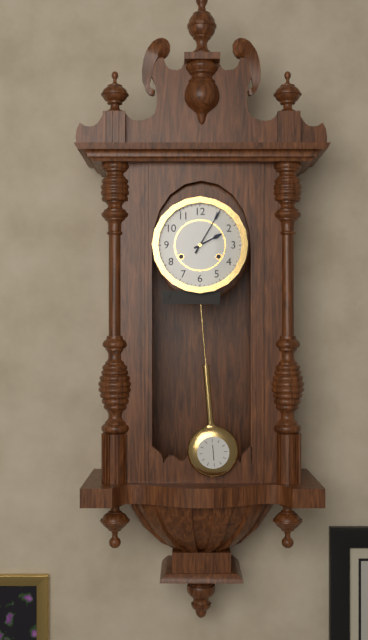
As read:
**2:05**
